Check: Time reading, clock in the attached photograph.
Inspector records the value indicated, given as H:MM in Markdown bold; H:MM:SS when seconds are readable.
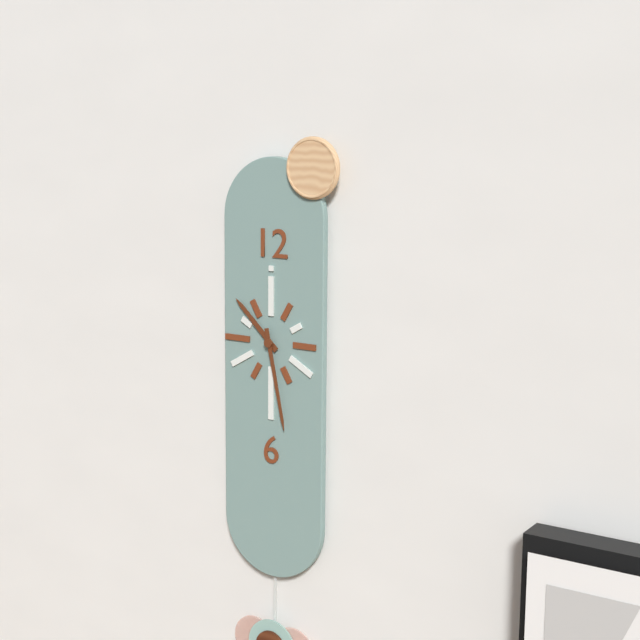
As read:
**10:28**
